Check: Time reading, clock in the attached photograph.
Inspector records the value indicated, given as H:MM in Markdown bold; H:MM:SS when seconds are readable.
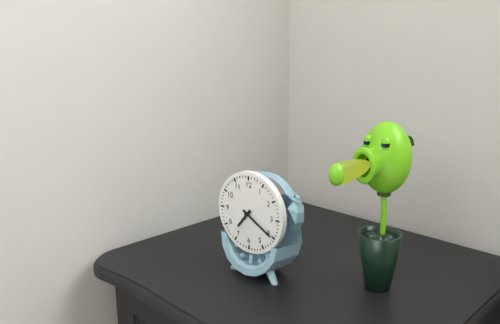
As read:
**7:20**
